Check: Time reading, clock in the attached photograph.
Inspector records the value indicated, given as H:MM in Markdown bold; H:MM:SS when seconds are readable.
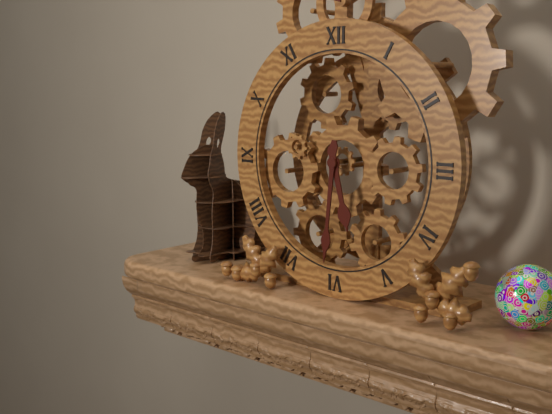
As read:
**5:31**
